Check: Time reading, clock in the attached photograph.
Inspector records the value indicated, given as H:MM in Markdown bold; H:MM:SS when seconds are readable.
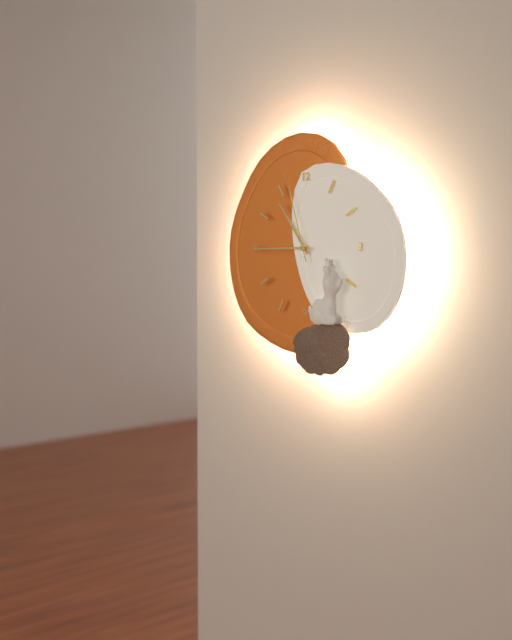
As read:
**10:45:57**
